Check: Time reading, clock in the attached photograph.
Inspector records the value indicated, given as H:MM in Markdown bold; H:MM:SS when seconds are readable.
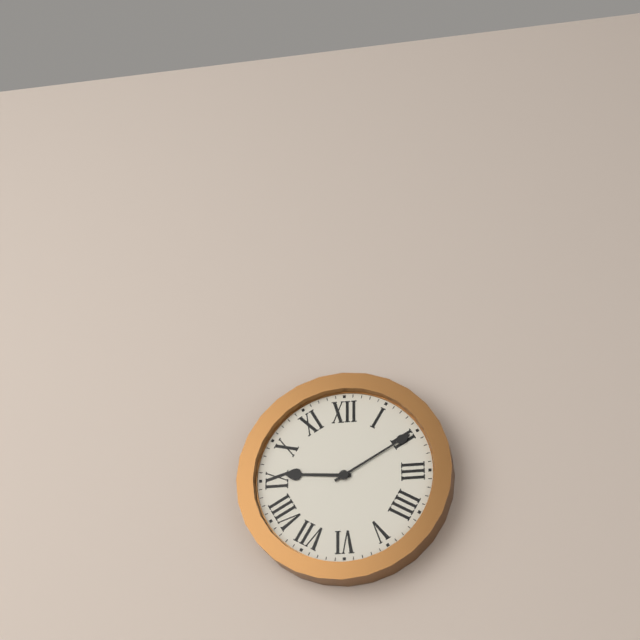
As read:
**9:10**
